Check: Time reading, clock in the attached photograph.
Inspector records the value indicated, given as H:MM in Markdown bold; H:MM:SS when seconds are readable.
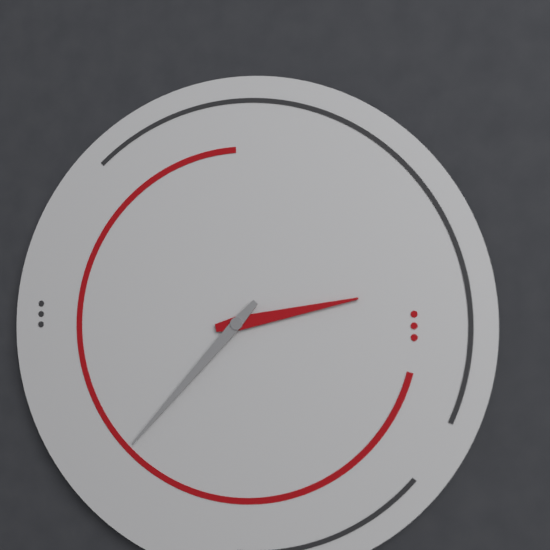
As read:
**2:37**
